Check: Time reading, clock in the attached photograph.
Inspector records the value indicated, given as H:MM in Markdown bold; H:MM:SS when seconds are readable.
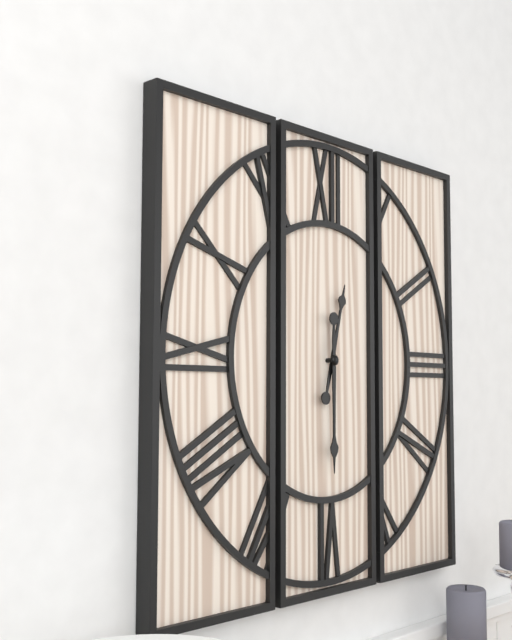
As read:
**12:30**
